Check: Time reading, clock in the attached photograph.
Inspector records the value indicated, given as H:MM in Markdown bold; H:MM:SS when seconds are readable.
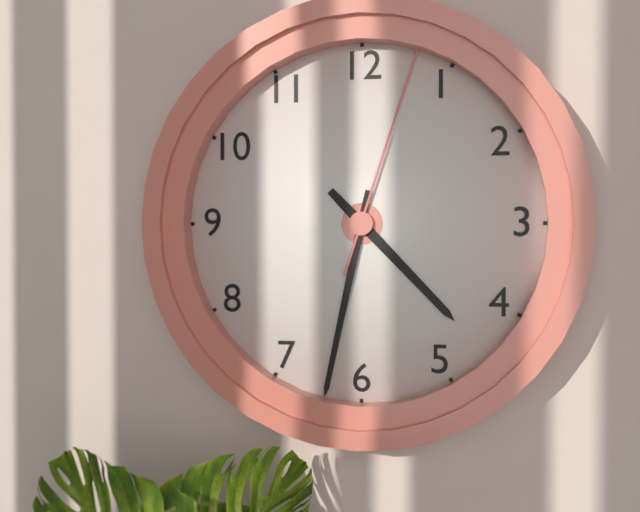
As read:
**4:32:03**
